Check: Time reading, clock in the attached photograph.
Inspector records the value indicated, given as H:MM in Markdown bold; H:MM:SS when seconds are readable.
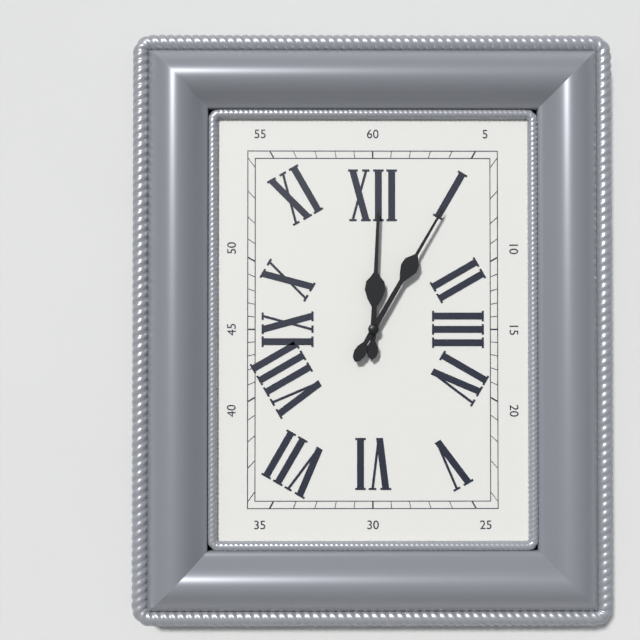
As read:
**12:05**
